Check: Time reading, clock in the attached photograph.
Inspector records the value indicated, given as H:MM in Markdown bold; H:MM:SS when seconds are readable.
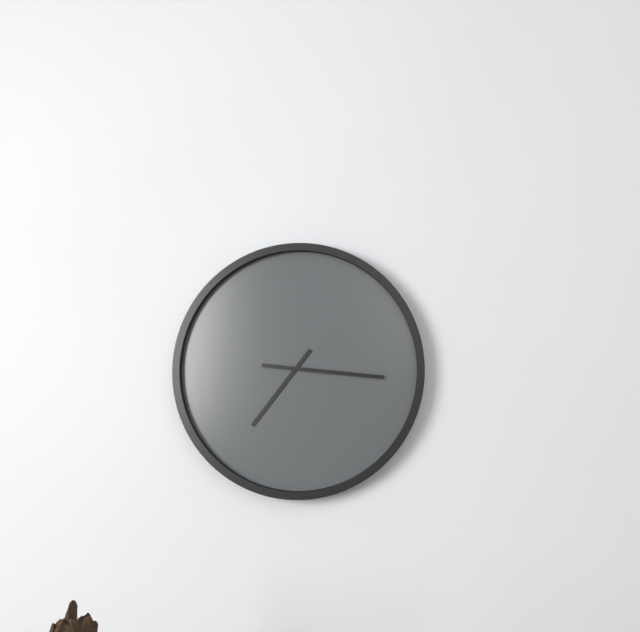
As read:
**7:16**
